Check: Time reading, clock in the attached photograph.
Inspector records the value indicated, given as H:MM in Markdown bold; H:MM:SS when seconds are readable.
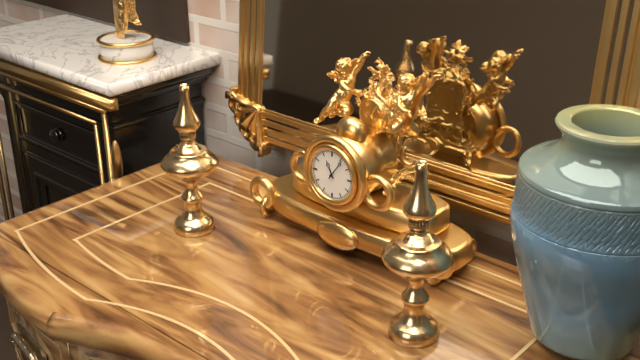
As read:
**11:06**
